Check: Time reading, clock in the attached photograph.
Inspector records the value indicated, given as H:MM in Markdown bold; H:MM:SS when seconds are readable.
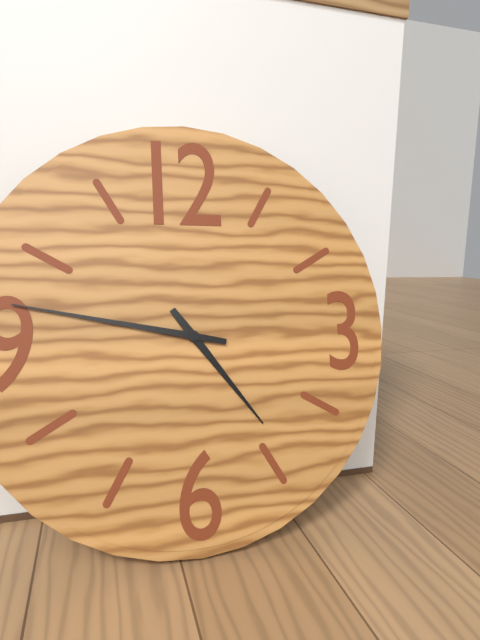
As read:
**4:47**
